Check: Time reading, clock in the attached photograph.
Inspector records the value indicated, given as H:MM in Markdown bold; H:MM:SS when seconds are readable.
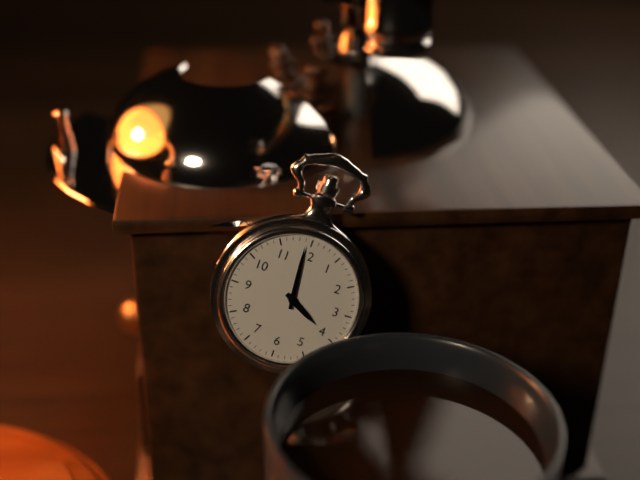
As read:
**3:59**
